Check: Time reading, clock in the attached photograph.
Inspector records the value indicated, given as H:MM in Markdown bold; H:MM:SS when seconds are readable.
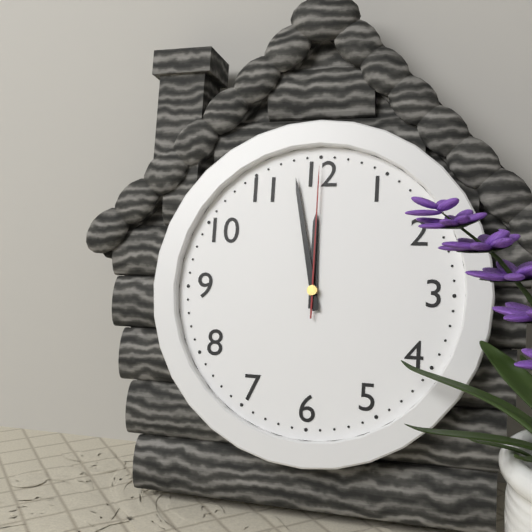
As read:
**11:58:00**
